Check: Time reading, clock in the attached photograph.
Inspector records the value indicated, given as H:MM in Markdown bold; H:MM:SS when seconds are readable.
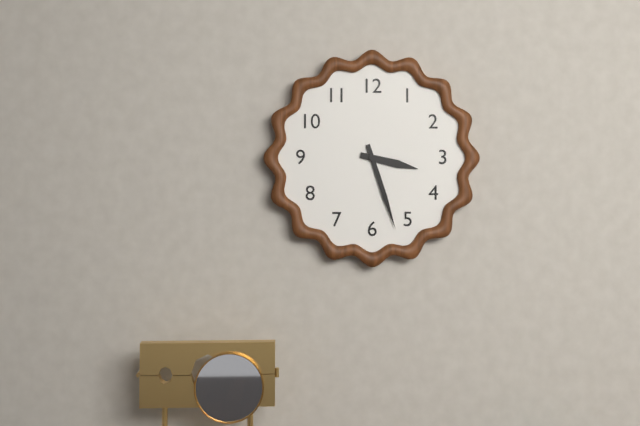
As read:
**3:27**
